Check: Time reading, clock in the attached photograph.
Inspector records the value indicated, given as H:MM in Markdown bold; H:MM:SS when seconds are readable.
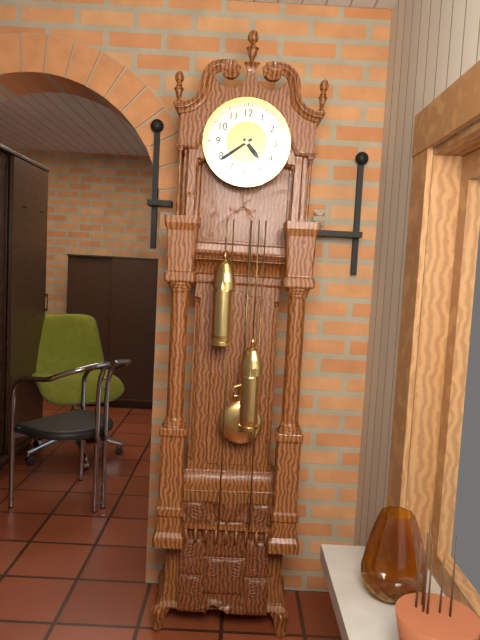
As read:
**4:39**
